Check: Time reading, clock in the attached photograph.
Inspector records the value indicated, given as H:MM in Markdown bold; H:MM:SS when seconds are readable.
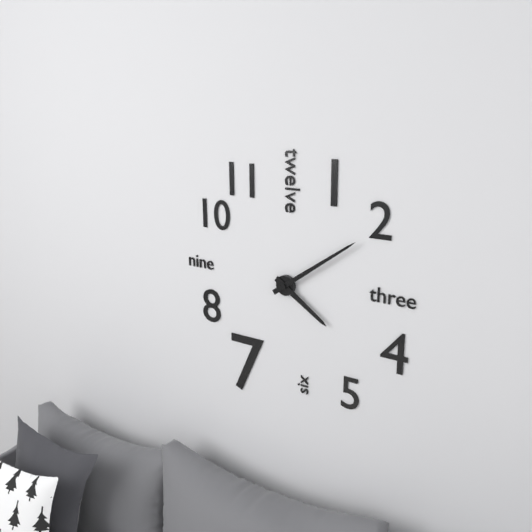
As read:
**4:09**
